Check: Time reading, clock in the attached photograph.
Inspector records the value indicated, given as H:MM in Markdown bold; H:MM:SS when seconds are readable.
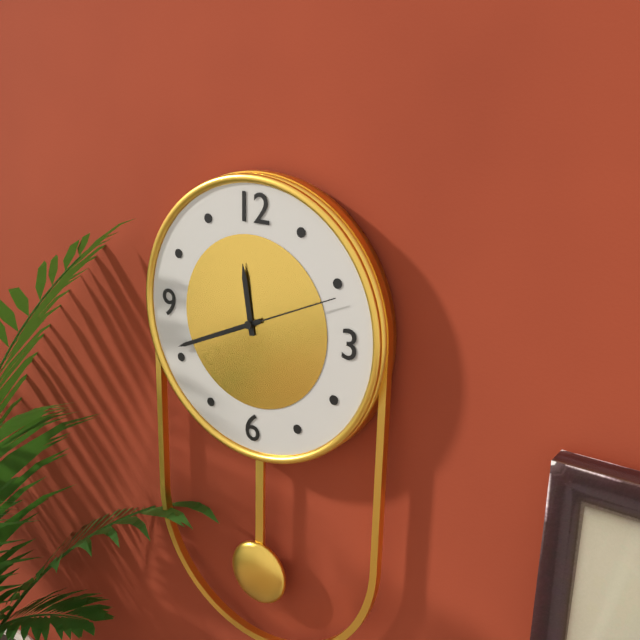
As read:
**11:41:11**
